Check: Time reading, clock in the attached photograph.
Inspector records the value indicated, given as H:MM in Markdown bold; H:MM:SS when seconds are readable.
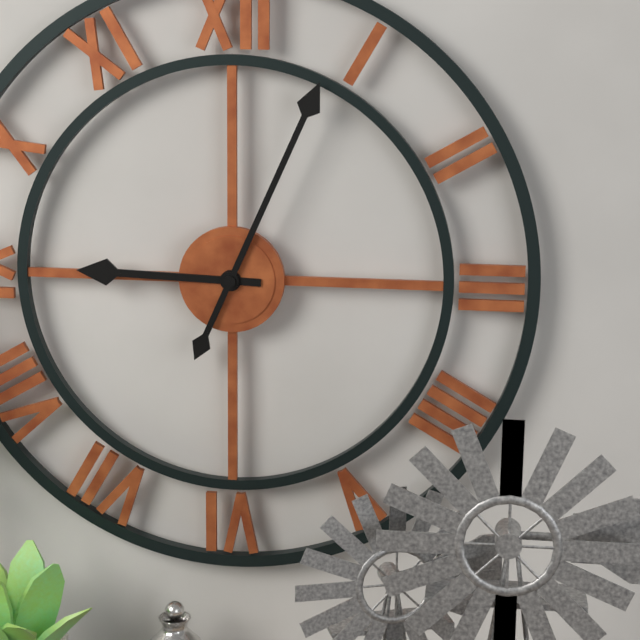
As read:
**9:04**
